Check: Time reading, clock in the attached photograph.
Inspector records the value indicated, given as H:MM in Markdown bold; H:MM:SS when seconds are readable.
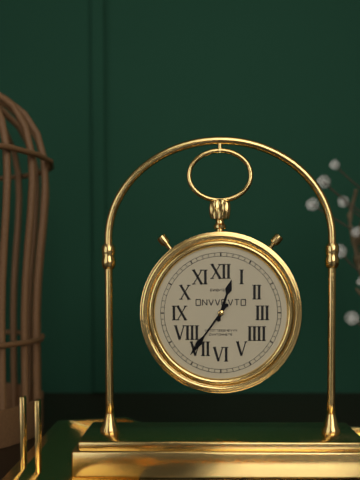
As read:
**12:36**
